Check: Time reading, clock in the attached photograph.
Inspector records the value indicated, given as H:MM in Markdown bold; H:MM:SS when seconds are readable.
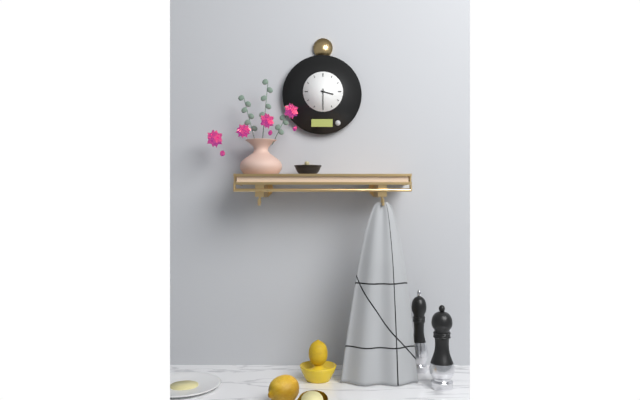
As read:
**3:30**
